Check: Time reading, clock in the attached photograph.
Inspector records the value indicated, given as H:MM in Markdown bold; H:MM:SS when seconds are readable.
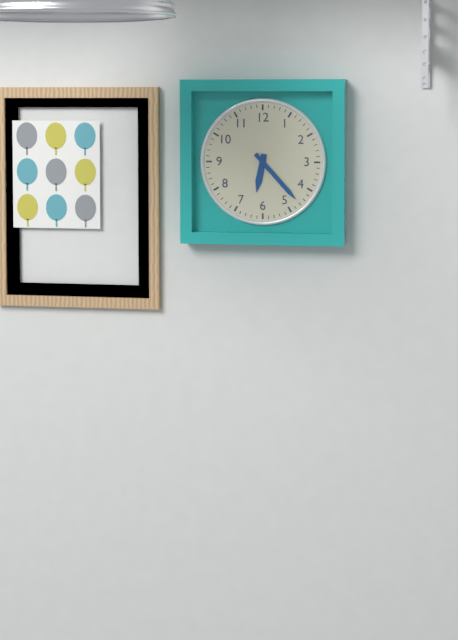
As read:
**6:23**
